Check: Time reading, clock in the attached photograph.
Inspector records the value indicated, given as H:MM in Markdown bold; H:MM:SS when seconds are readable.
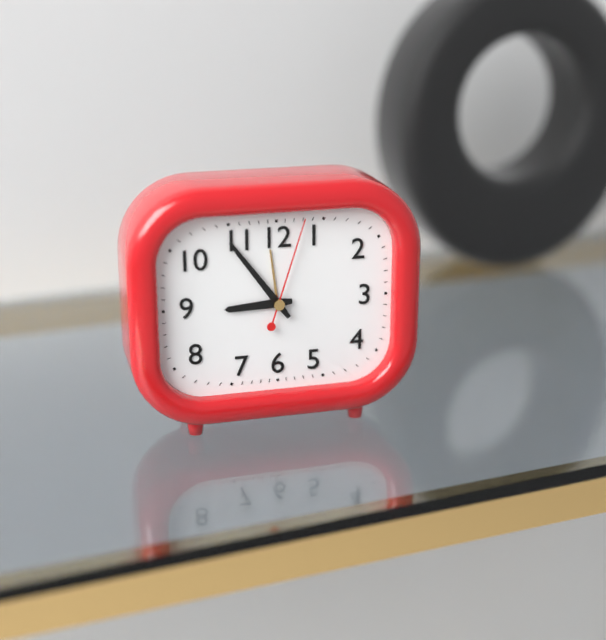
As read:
**8:54:03**
